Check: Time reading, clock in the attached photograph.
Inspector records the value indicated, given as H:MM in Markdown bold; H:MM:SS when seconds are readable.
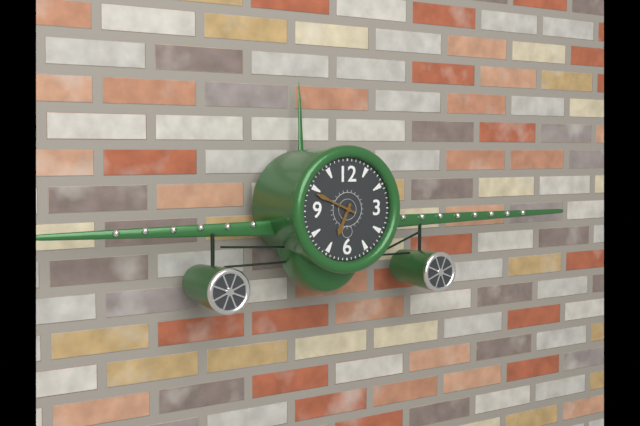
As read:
**6:49**
